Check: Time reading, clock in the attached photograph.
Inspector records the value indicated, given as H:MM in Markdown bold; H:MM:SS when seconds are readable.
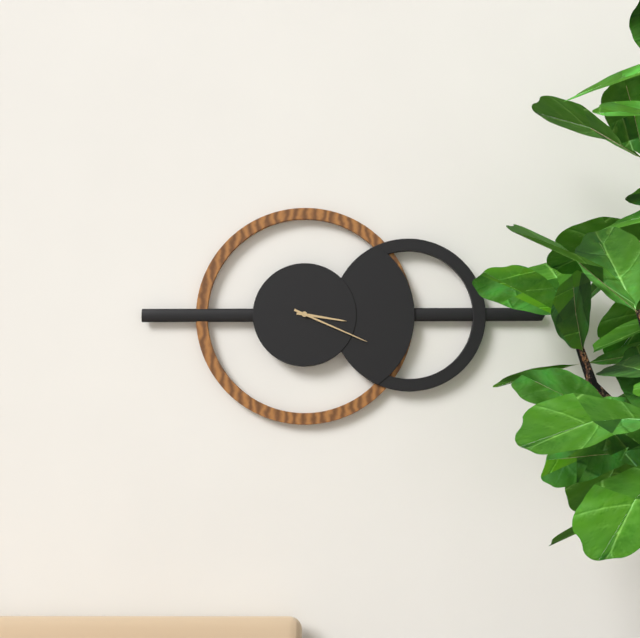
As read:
**3:19**
